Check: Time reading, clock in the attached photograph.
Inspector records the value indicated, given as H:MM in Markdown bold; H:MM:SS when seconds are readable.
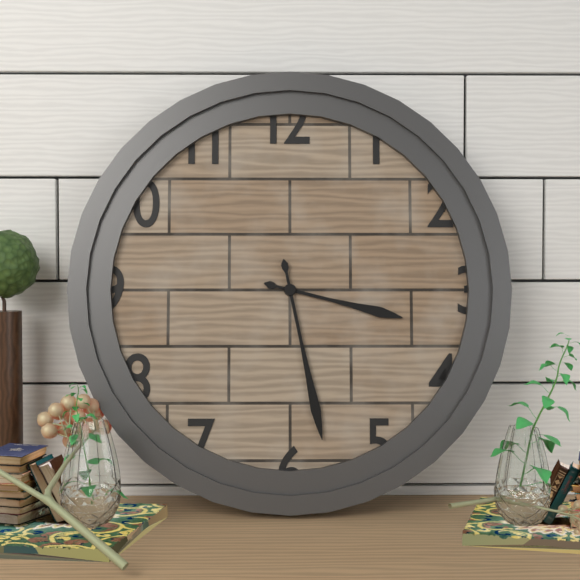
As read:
**3:28**
